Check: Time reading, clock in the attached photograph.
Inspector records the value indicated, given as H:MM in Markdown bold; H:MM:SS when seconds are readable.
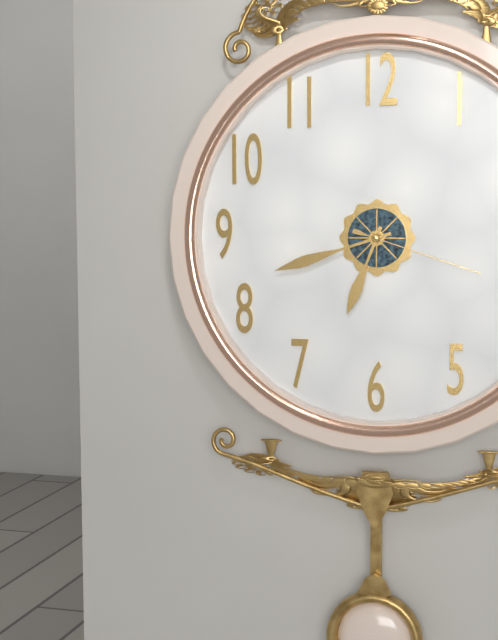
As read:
**6:42:18**
